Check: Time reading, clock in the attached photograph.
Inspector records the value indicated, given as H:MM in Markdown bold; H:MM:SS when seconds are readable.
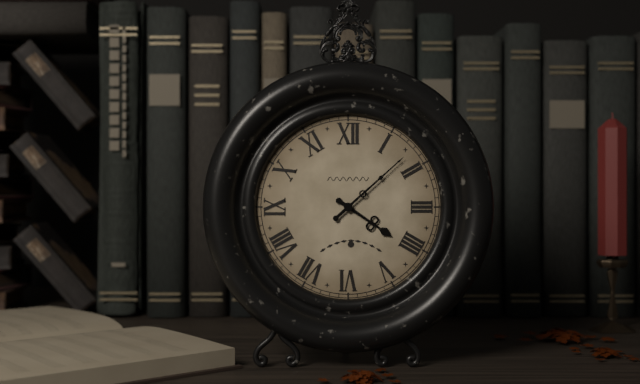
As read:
**4:08**
